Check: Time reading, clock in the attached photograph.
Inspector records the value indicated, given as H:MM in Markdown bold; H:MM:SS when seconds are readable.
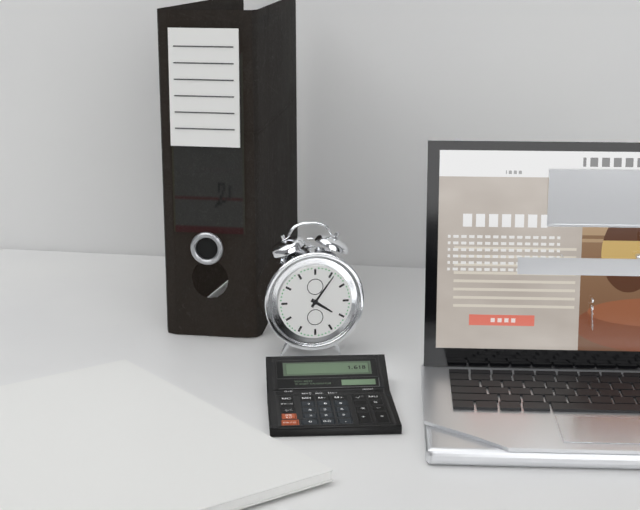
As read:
**4:06**
